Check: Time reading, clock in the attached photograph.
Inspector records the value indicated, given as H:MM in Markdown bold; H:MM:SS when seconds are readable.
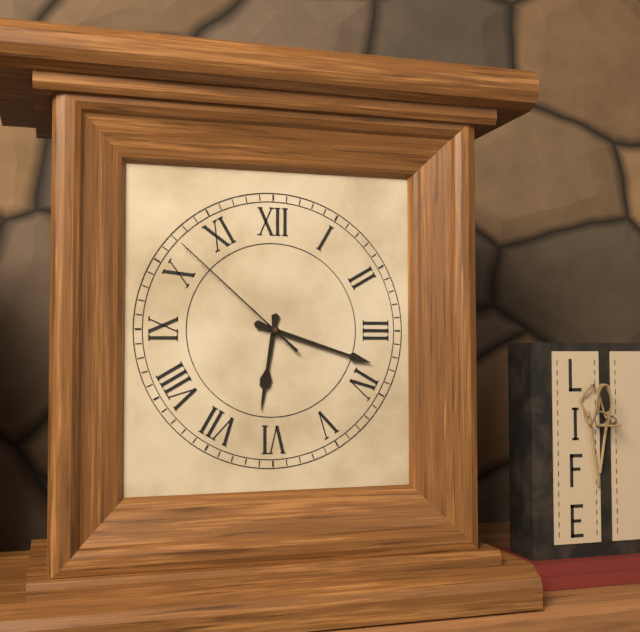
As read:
**6:18:52**
